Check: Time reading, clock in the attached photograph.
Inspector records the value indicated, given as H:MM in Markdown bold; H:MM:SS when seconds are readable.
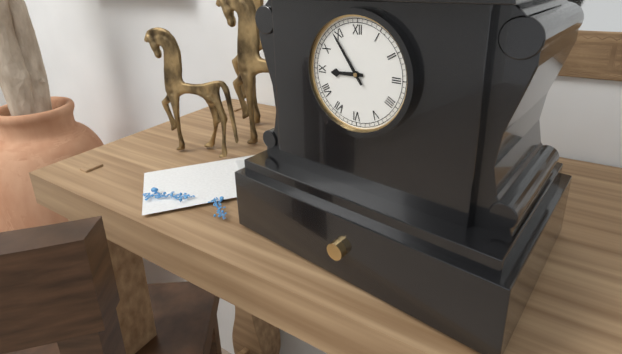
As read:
**8:54**
